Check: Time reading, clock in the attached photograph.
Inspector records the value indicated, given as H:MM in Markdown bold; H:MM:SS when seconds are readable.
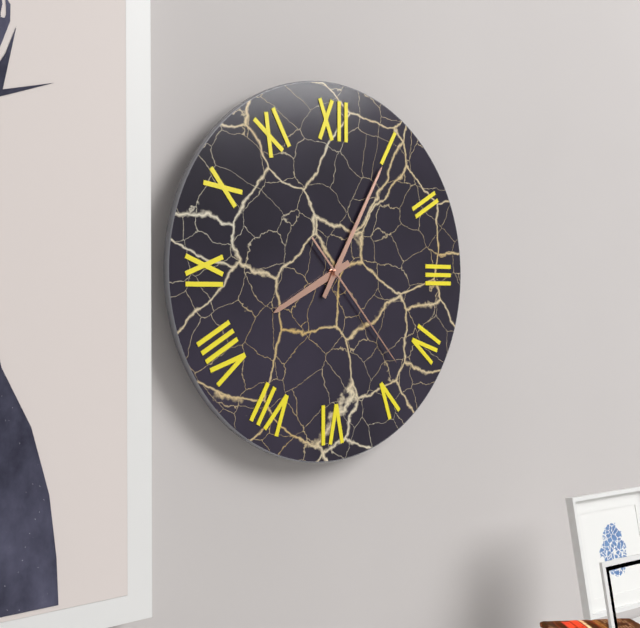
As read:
**8:05:23**
